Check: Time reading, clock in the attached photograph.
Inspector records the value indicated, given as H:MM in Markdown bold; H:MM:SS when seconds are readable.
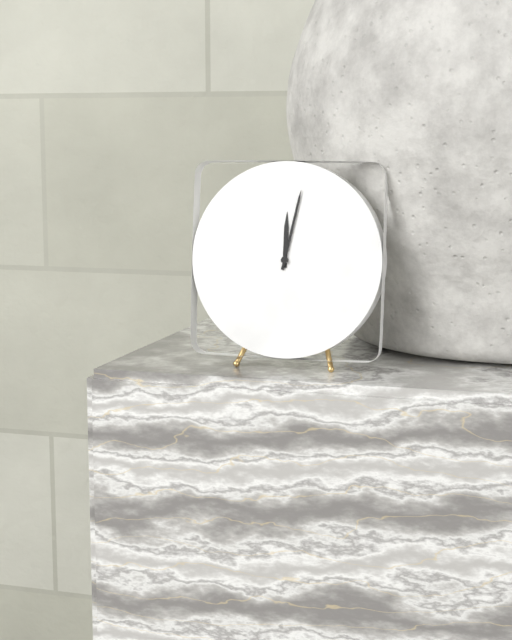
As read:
**12:02**
